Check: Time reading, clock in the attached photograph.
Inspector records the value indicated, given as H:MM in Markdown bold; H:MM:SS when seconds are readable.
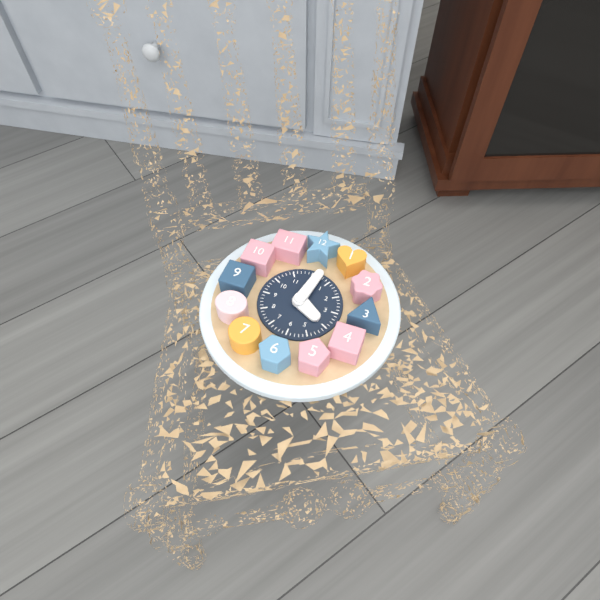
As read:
**4:02**
